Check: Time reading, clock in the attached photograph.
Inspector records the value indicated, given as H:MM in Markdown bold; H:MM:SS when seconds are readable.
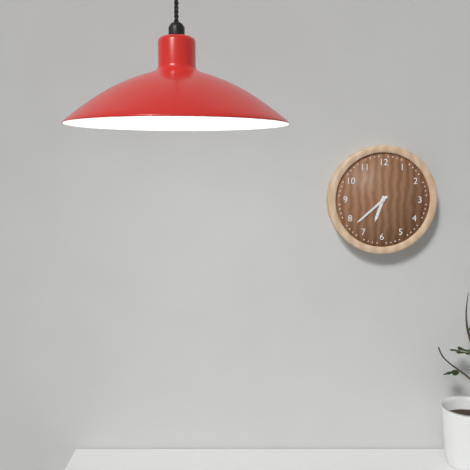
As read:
**6:38**
